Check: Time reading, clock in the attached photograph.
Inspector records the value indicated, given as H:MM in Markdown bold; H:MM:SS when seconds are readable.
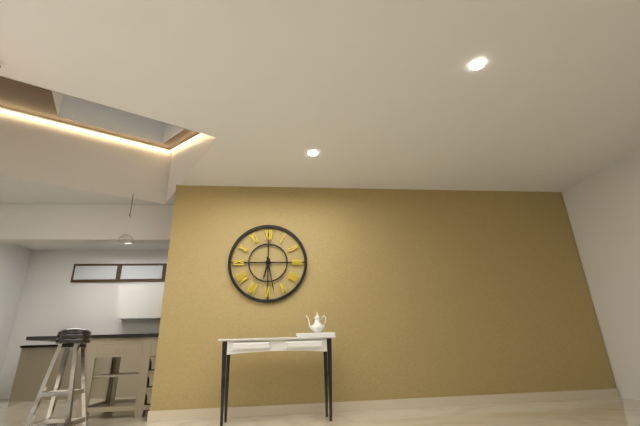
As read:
**6:28**
